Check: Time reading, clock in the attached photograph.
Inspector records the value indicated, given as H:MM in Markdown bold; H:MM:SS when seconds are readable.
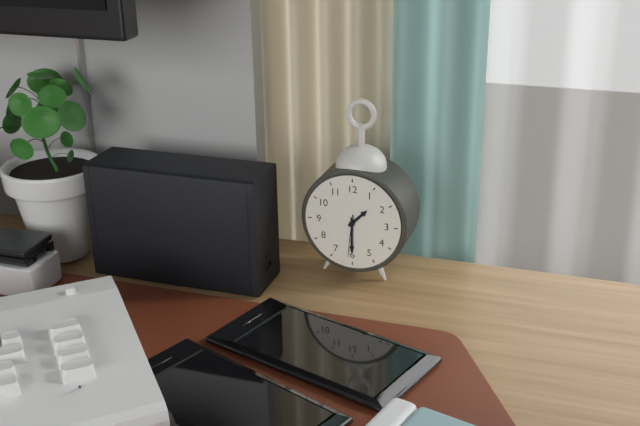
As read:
**1:30**
